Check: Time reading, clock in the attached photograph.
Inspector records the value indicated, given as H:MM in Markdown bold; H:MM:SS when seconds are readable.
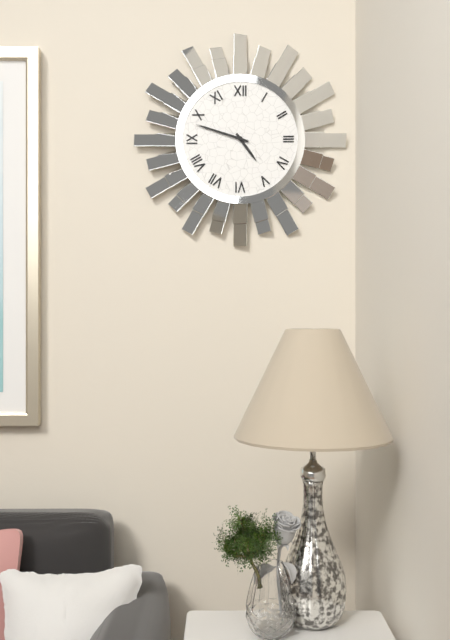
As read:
**4:48**
